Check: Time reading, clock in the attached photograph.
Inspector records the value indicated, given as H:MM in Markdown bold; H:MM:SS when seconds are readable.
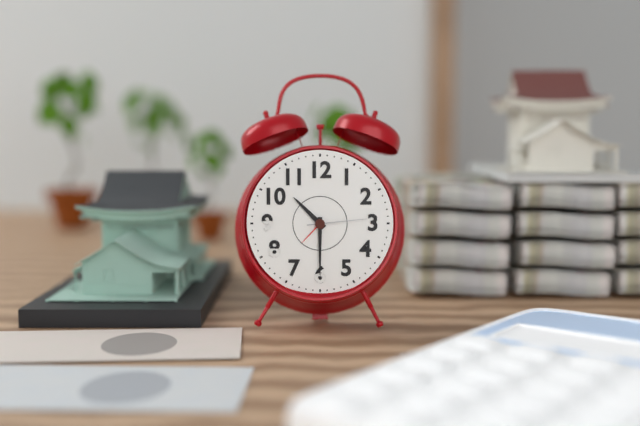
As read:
**10:30:14**
